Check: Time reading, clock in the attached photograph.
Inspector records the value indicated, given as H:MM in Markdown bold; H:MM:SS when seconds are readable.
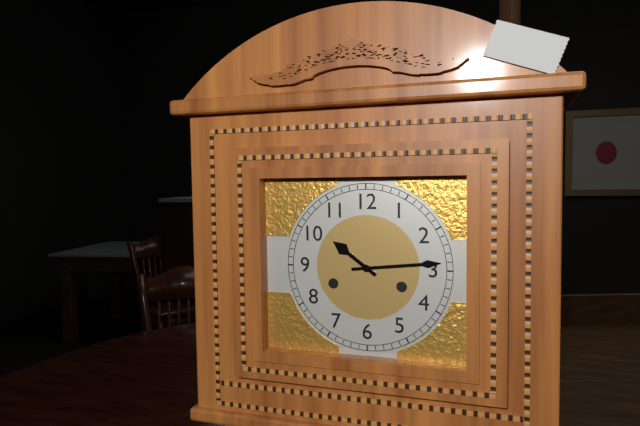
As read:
**10:14**
